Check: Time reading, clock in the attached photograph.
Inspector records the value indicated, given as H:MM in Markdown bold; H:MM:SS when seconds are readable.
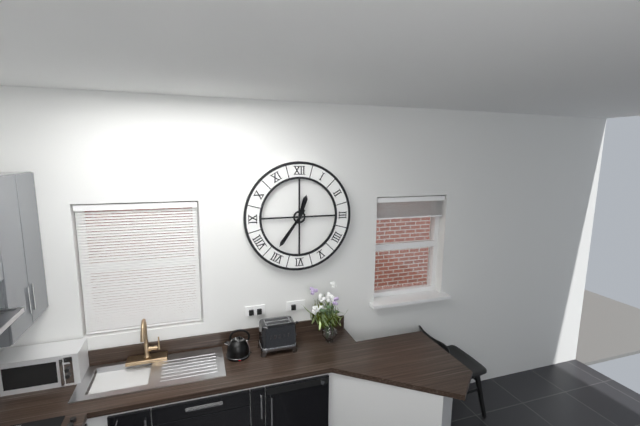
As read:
**12:36**
